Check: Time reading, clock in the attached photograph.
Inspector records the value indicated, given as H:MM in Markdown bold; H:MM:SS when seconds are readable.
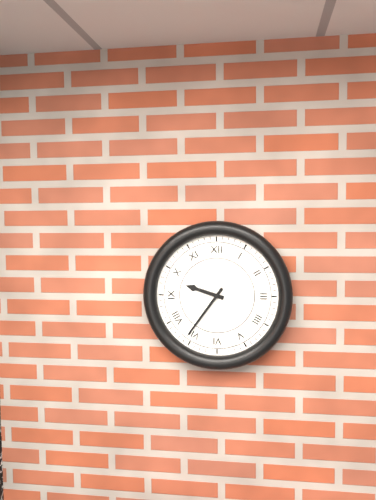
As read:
**9:36**
